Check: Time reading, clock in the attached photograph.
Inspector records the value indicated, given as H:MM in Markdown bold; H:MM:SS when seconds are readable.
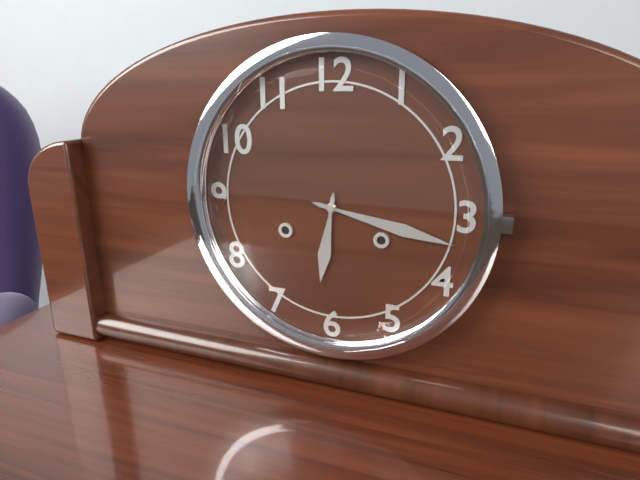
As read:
**6:17**
